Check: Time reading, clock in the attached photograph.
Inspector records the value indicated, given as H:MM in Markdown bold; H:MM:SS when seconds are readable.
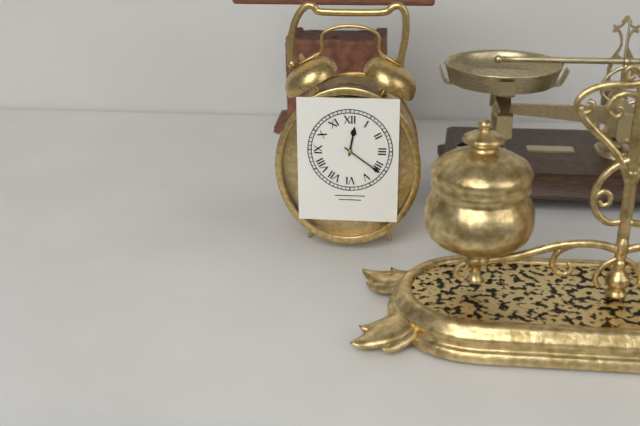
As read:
**12:21**
